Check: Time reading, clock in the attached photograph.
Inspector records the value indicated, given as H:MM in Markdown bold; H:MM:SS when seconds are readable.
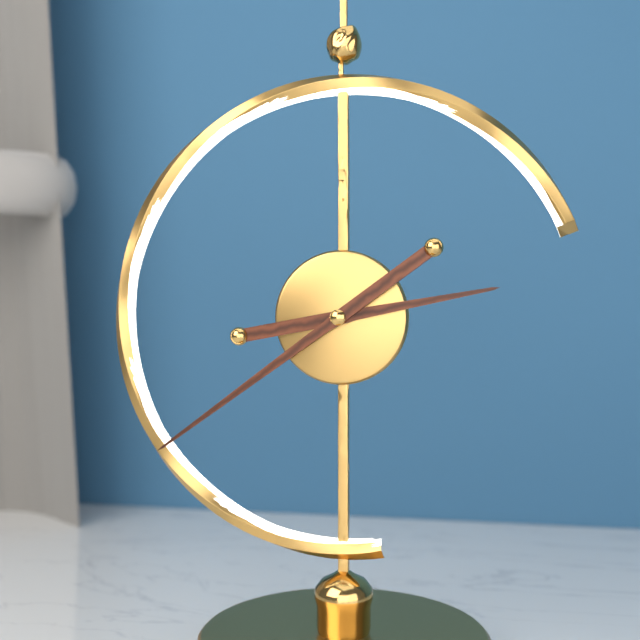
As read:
**2:39**
